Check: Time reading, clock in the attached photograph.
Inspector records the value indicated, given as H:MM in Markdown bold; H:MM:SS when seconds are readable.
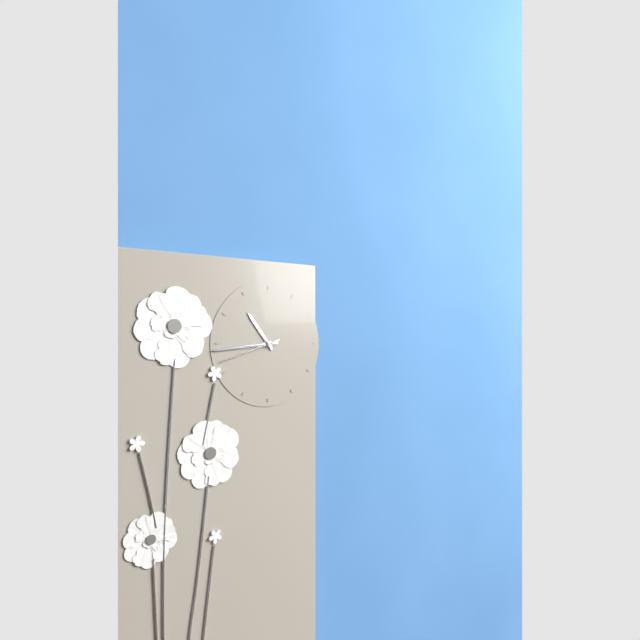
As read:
**10:44:42**
